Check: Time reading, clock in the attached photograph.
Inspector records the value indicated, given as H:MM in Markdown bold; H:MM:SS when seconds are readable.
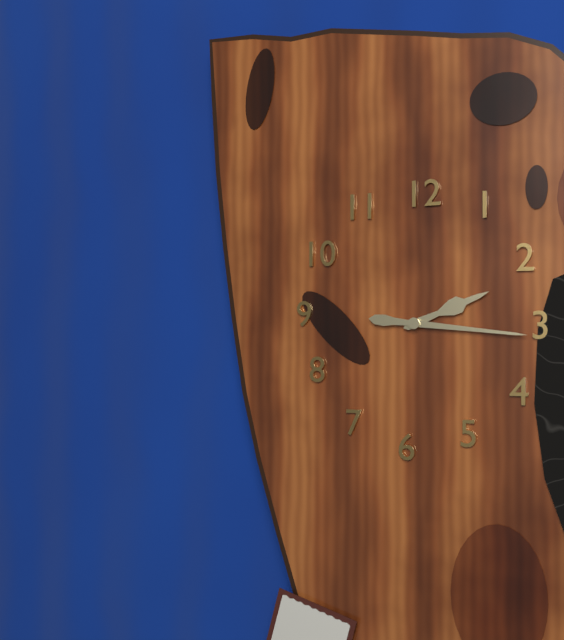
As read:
**2:16**
